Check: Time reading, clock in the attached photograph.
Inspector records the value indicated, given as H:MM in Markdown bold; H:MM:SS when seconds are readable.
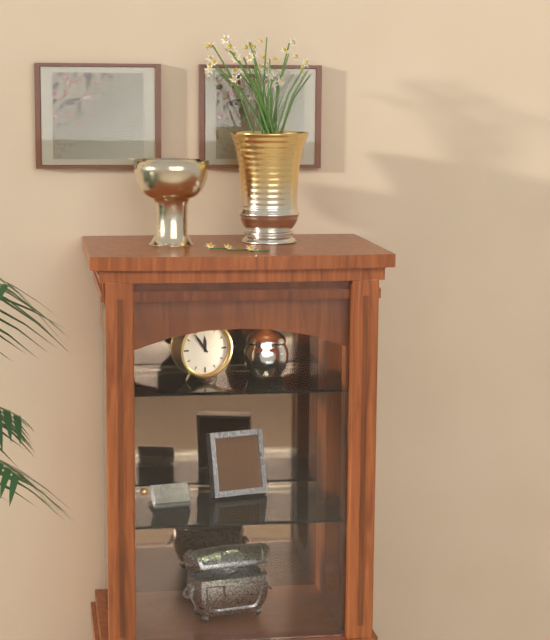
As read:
**11:54**
